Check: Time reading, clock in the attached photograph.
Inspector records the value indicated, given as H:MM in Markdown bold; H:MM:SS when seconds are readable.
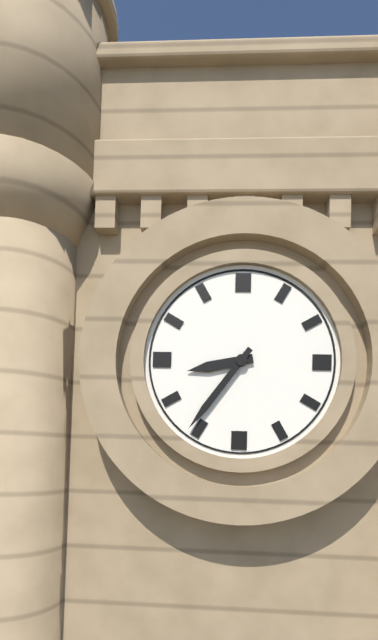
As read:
**8:36**
